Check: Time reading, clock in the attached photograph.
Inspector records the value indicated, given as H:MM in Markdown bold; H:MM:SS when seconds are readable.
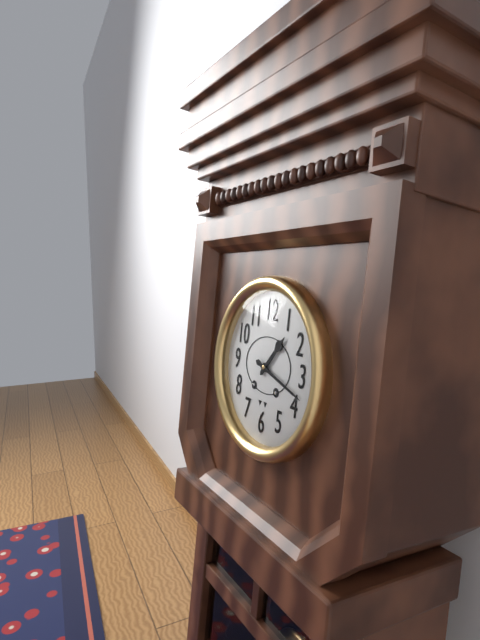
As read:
**1:18**
